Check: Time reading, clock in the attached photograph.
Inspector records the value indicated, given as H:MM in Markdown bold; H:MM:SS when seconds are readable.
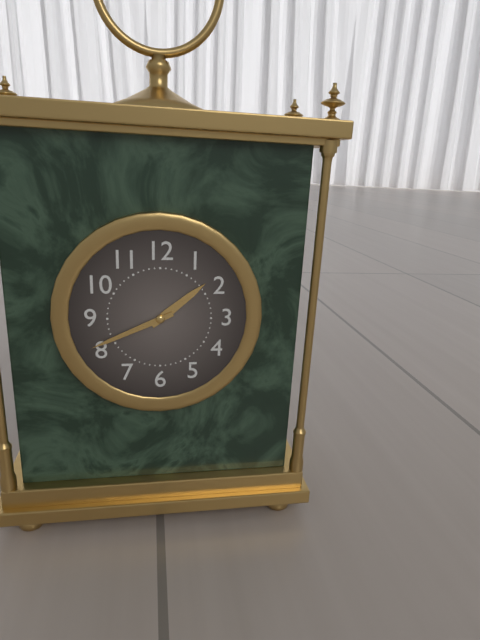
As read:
**1:41**
